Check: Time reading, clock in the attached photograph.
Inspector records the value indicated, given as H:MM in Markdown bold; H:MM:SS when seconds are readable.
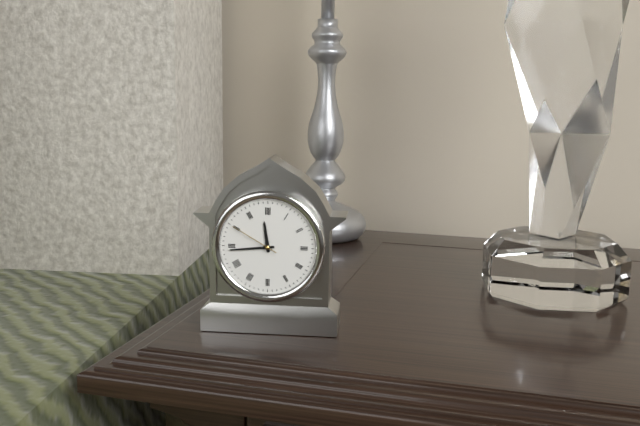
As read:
**11:44:50**
